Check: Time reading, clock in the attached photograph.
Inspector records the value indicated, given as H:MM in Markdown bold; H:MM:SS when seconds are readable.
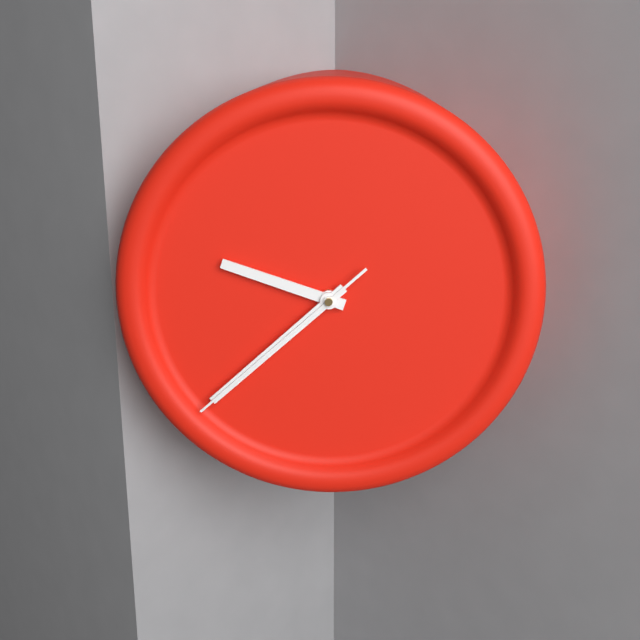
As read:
**9:38:38**
